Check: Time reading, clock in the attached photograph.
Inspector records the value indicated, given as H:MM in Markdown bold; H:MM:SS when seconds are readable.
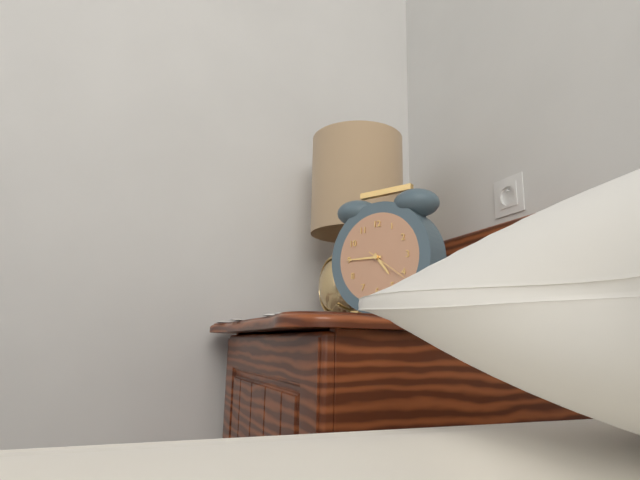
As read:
**4:45**
